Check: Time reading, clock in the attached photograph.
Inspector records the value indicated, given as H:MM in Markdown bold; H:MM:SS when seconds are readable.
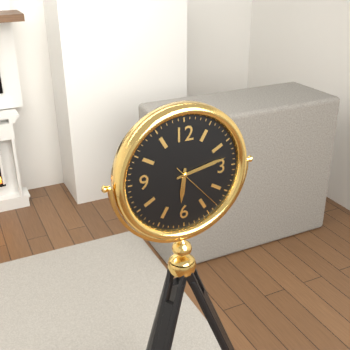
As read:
**6:13:23**
